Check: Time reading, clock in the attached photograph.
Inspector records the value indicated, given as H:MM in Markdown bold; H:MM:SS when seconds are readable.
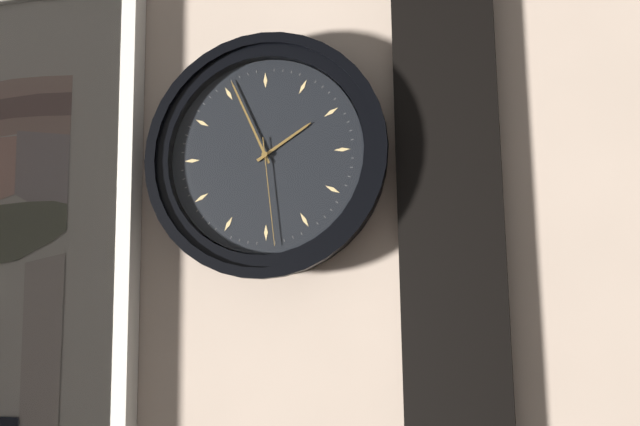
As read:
**1:56:29**
